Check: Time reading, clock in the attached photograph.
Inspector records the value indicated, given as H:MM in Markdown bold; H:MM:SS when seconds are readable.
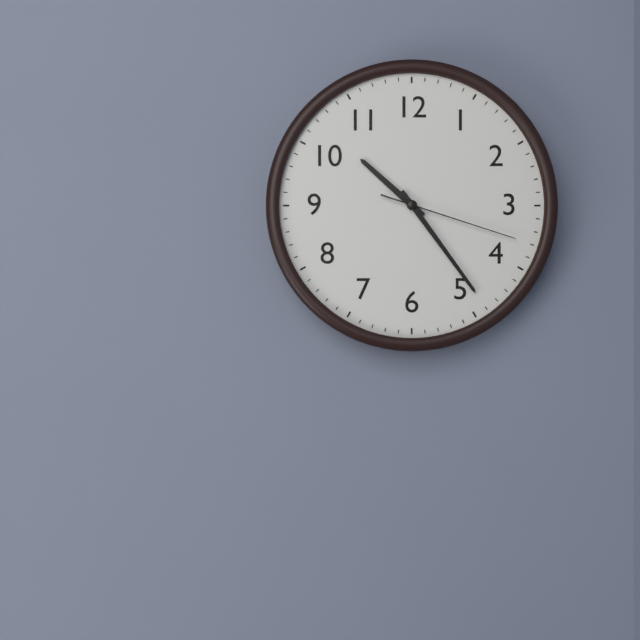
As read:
**10:24:18**
